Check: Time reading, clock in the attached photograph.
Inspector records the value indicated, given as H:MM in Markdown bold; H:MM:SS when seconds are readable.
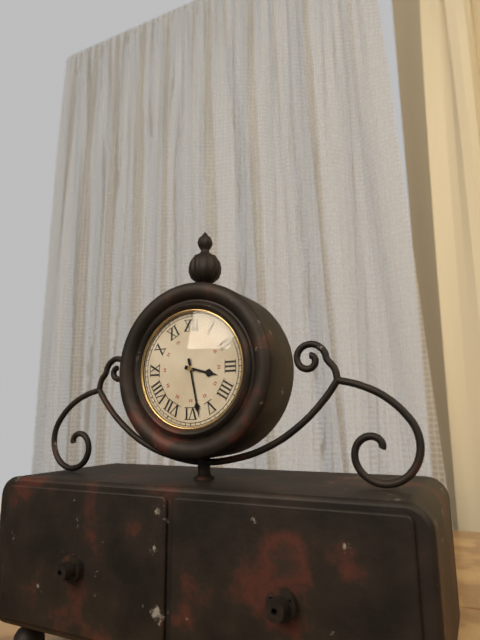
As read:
**3:28**
